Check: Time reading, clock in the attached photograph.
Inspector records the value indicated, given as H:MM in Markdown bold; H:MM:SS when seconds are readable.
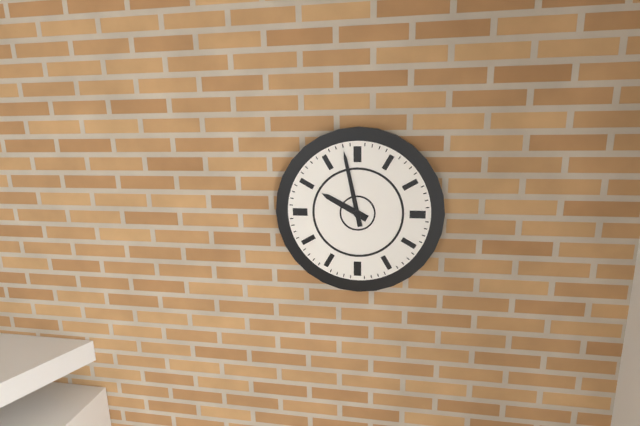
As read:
**9:58**
